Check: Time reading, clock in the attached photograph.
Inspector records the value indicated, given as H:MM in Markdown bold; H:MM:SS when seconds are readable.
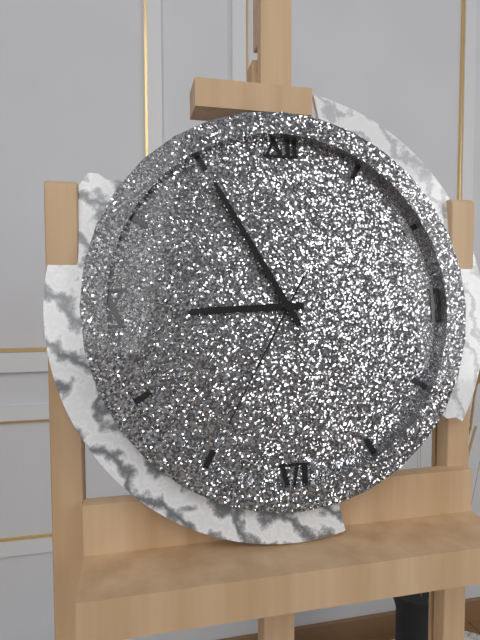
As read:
**8:55:35**
